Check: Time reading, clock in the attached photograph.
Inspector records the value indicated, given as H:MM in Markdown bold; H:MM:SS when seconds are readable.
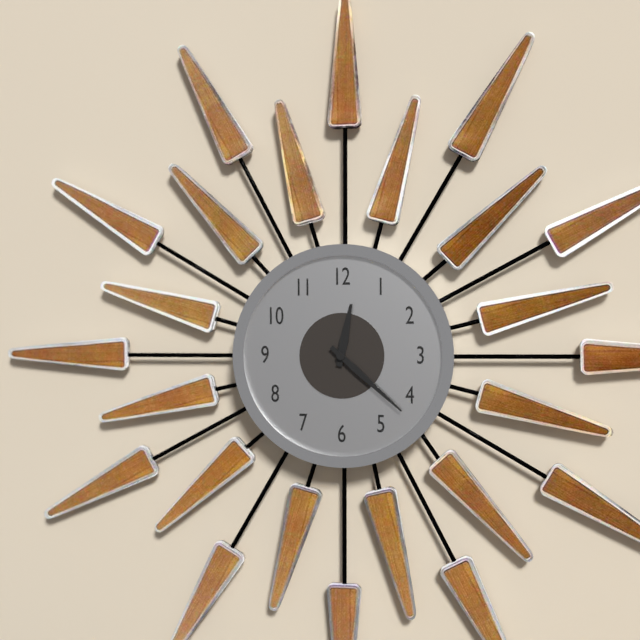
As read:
**12:22**
